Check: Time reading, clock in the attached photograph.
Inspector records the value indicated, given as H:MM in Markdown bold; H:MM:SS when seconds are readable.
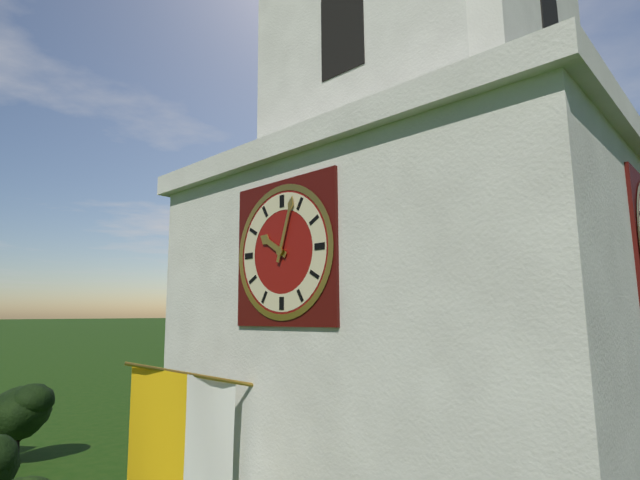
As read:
**10:03**
